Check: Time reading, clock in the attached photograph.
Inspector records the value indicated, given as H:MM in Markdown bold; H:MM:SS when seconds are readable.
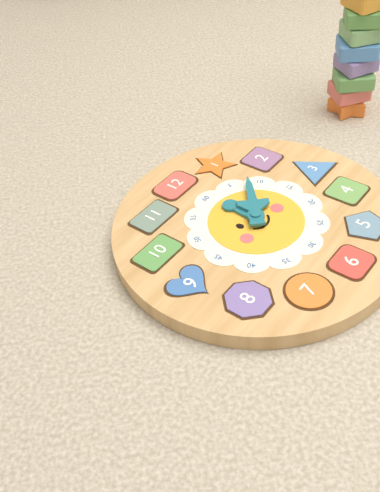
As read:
**12:08**
